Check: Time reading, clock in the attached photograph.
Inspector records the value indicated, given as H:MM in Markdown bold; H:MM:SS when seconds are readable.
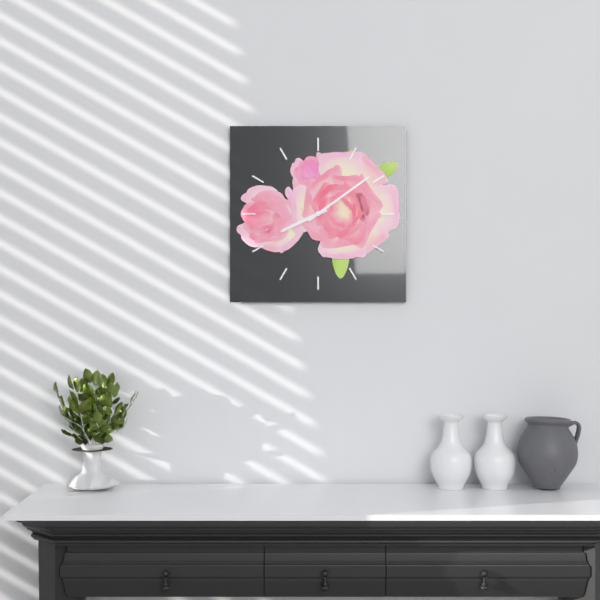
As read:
**8:09**
